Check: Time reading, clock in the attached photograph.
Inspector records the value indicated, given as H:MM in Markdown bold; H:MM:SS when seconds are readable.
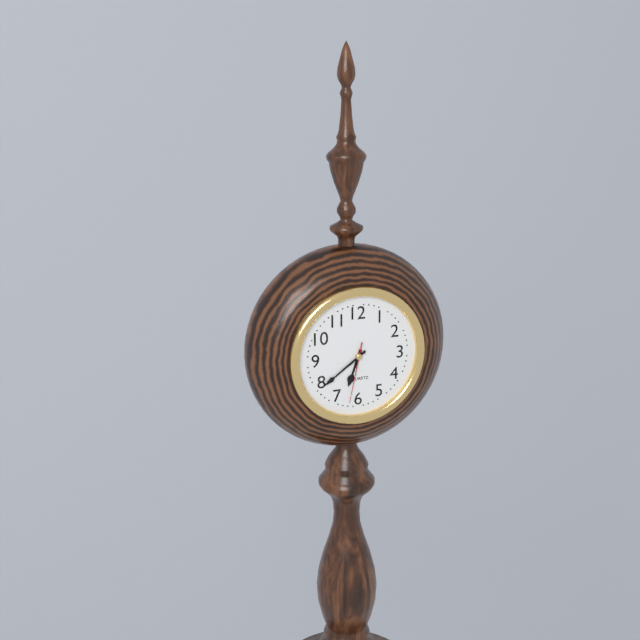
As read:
**6:39:32**
